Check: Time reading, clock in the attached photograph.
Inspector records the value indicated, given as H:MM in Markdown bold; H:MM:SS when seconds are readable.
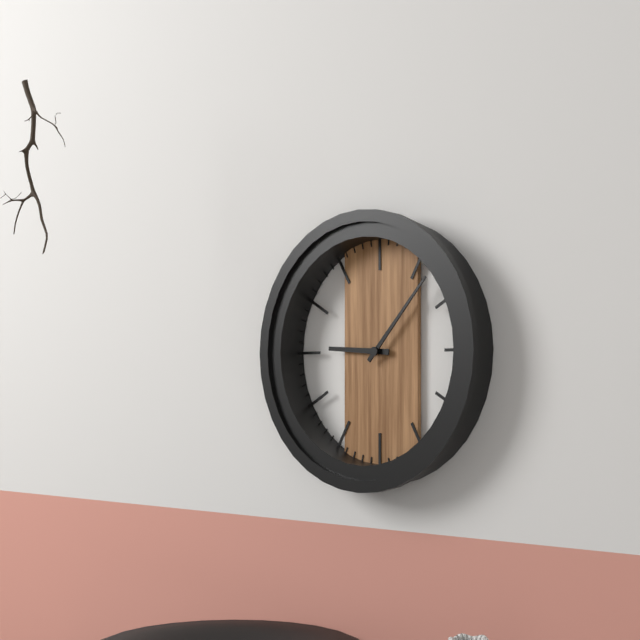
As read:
**9:07**
